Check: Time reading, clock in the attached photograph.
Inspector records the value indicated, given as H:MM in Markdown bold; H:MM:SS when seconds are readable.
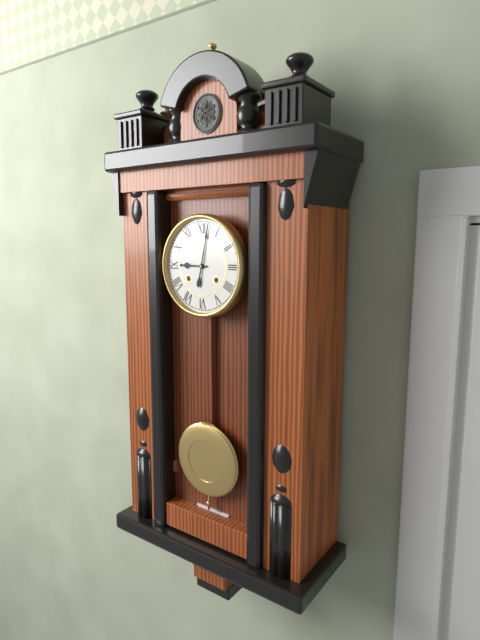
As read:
**9:02**
